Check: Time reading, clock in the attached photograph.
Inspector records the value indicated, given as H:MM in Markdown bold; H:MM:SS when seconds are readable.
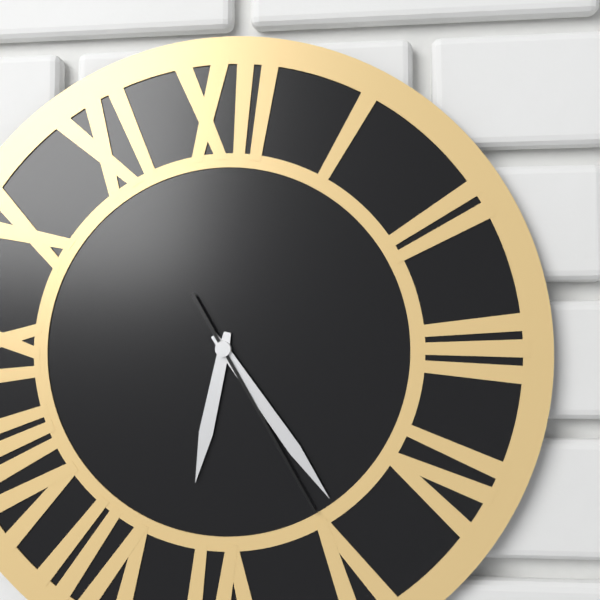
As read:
**6:24:25**
